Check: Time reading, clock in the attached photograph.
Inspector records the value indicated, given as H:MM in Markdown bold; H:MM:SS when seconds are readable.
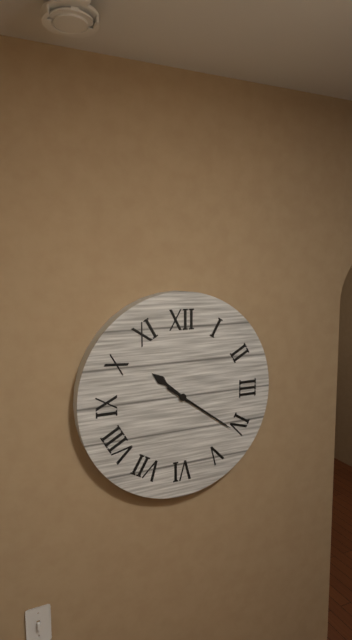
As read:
**10:21**
